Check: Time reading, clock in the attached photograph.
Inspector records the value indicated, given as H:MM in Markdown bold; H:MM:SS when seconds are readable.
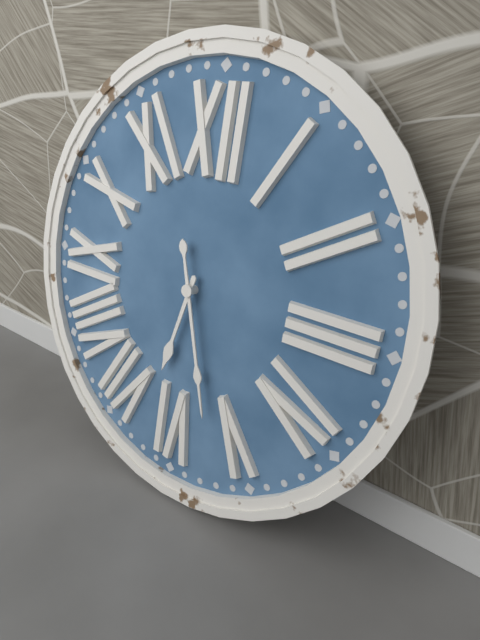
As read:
**6:27**
